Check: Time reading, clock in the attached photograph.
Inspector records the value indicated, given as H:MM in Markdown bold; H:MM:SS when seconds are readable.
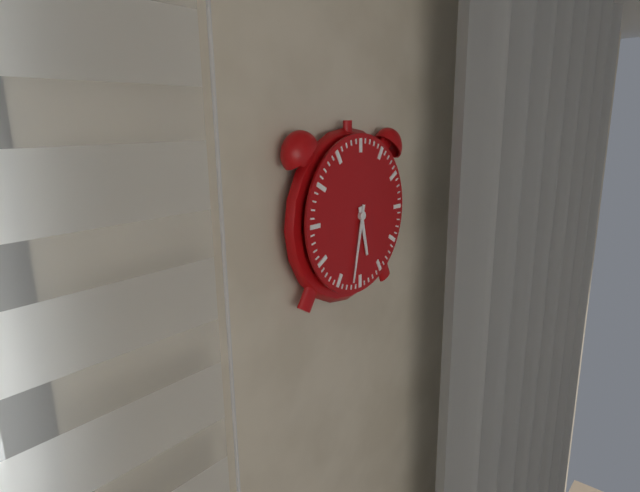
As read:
**5:32**
